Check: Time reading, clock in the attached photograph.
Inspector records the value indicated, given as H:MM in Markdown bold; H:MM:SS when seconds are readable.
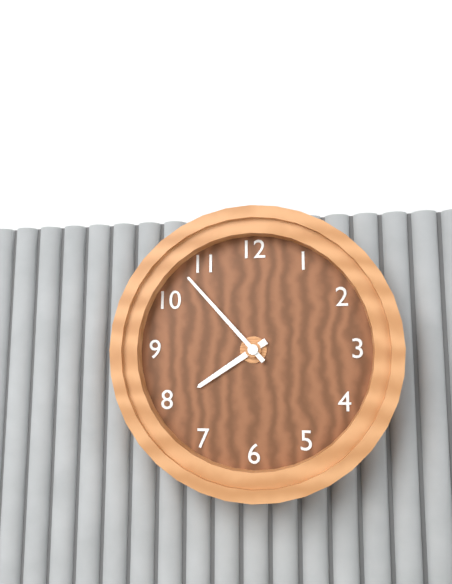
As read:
**7:53**
